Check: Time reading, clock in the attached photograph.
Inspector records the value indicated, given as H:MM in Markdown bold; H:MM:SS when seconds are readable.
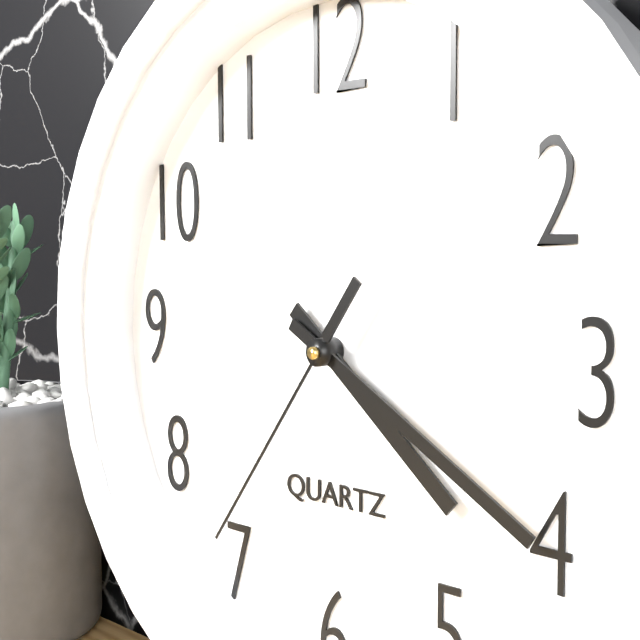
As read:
**4:20:36**
